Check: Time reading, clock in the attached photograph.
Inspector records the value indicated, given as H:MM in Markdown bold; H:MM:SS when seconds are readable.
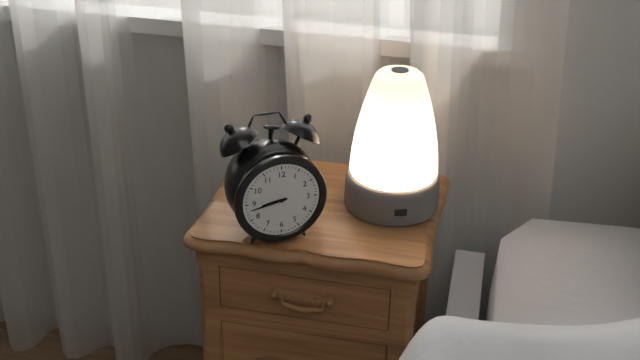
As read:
**8:43**
